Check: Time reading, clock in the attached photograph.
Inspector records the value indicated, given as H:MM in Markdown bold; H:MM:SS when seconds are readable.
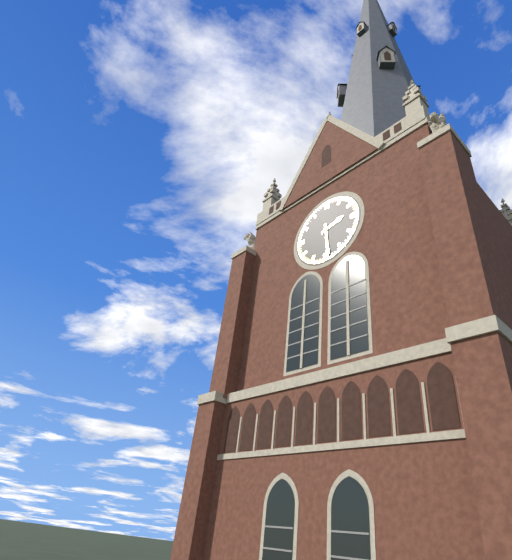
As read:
**2:29**
